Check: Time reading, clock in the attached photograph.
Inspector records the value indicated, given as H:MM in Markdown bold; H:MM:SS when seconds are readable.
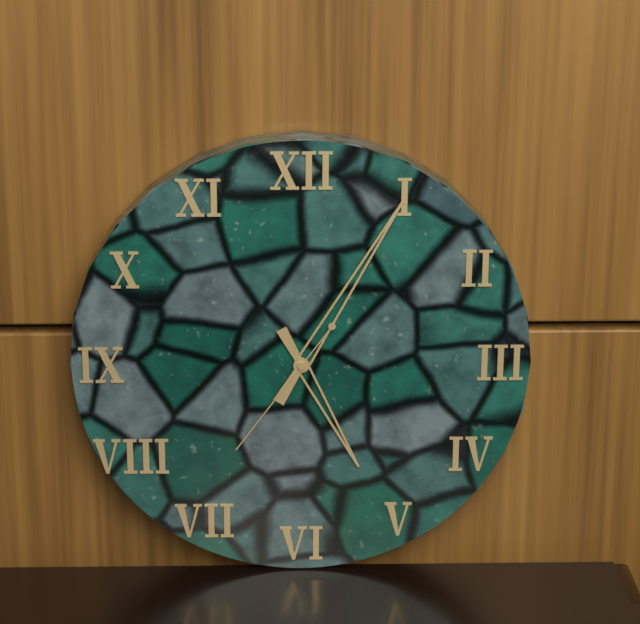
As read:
**5:05:36**
